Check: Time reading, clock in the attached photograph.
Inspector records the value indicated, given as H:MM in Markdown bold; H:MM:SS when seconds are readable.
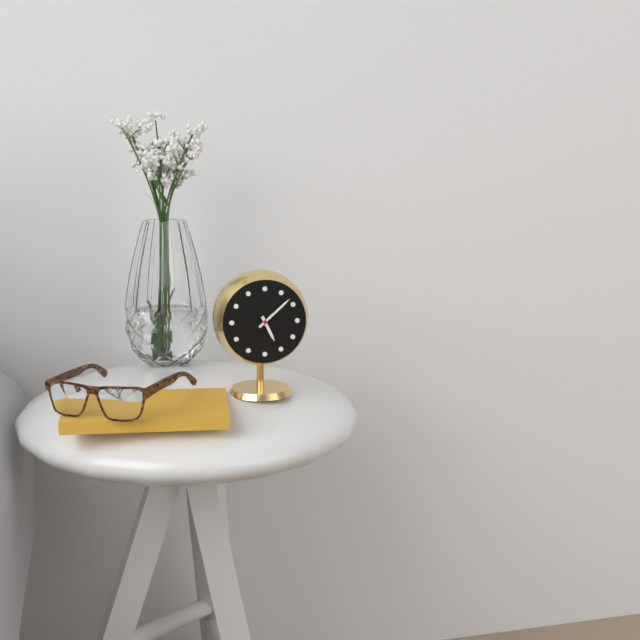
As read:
**5:08**
